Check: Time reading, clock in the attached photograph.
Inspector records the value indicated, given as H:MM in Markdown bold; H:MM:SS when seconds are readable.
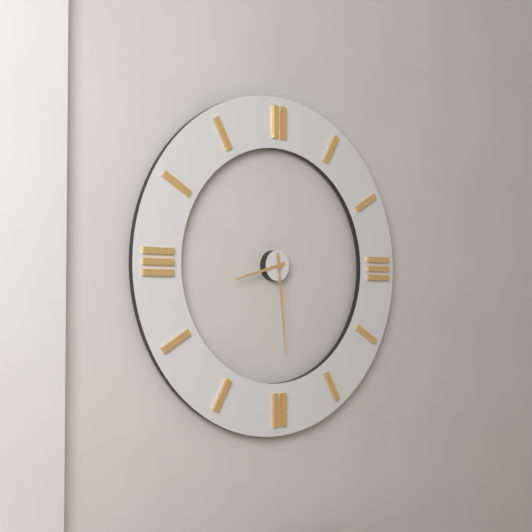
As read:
**8:29**
